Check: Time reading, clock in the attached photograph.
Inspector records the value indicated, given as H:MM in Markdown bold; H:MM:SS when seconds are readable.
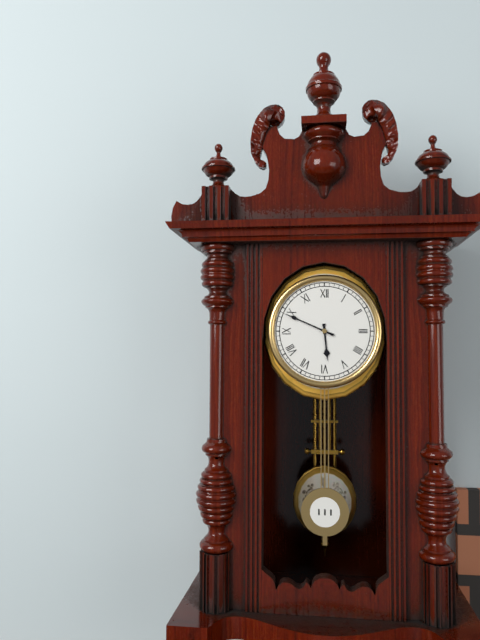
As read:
**5:49**
